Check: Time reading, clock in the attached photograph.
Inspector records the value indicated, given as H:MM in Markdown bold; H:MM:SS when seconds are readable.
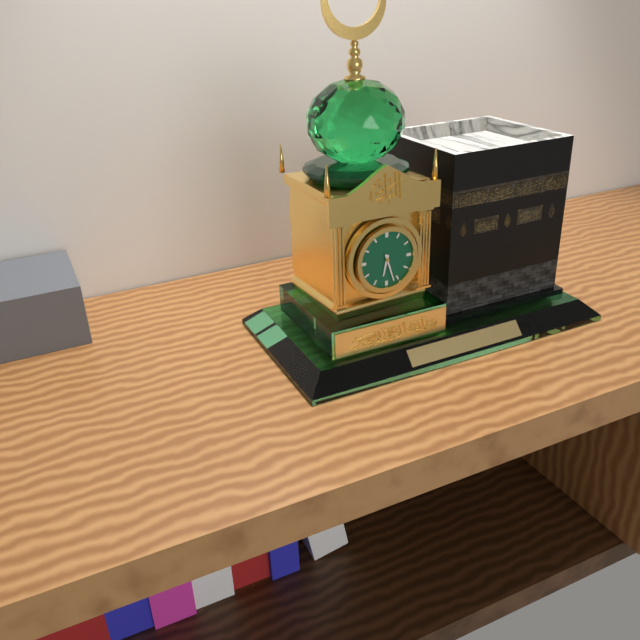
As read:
**6:27**
